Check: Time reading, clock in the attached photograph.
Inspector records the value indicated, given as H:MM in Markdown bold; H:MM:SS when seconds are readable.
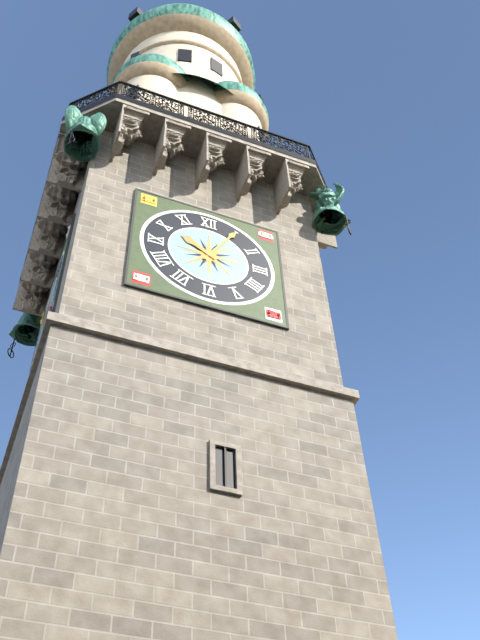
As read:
**10:05**
